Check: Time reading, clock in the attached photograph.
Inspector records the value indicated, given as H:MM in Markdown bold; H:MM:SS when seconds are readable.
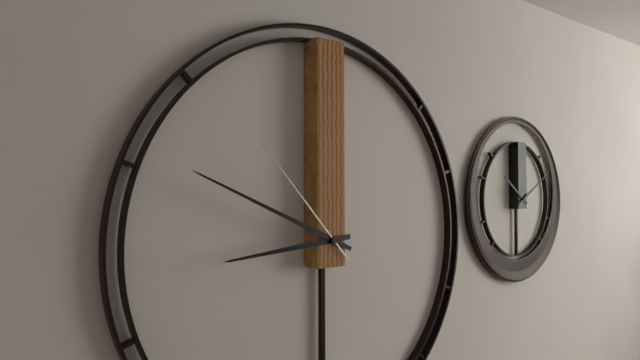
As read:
**8:49:53**
